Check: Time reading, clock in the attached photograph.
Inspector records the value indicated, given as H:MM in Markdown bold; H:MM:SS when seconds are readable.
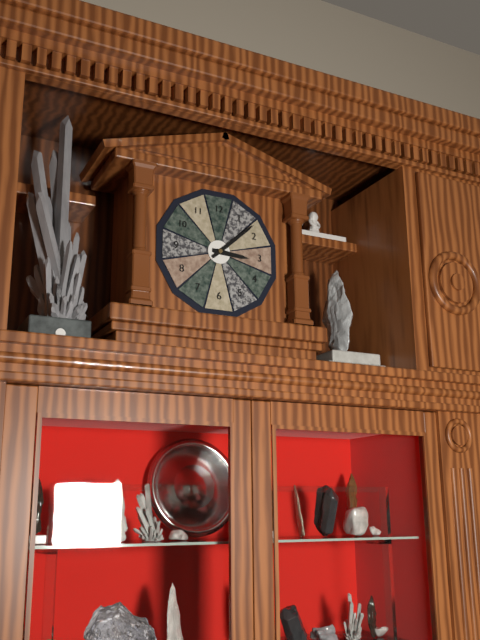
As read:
**3:08**
